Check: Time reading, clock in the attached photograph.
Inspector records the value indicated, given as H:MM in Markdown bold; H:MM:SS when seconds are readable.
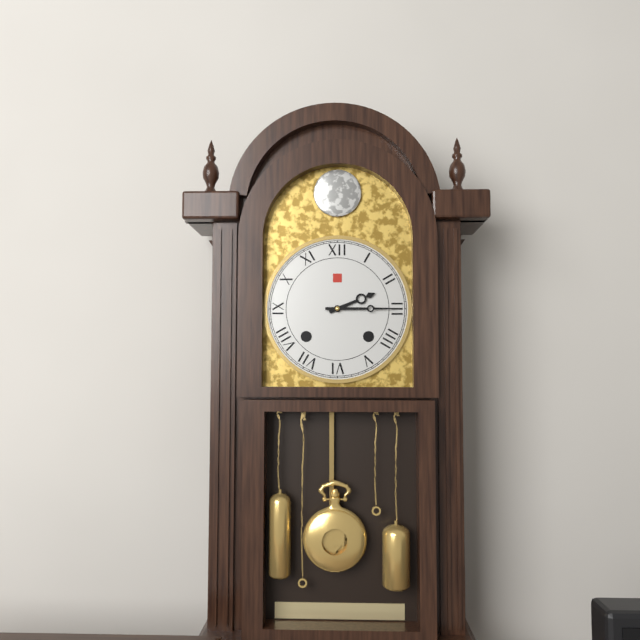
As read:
**2:15**
